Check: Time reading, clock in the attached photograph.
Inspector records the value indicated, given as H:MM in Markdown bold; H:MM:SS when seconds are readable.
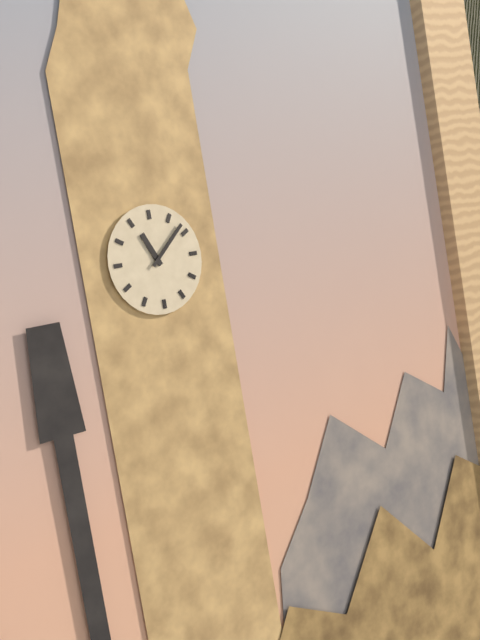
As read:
**11:08**
